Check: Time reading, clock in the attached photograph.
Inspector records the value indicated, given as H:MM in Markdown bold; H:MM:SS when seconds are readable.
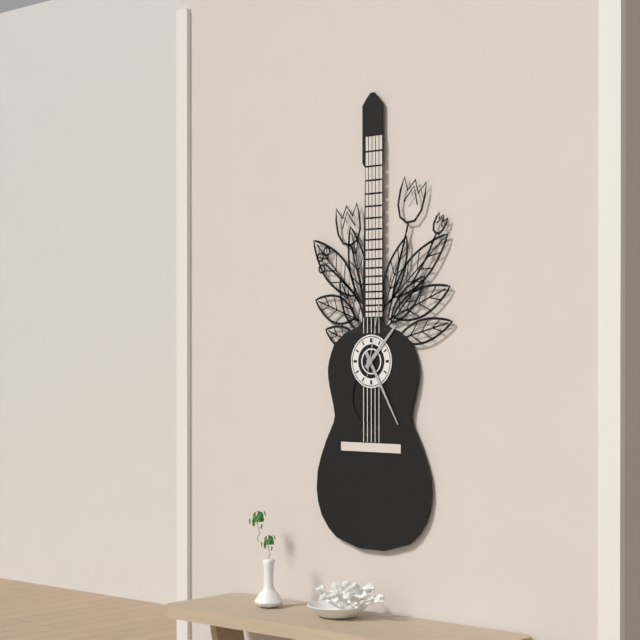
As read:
**1:25:02**
